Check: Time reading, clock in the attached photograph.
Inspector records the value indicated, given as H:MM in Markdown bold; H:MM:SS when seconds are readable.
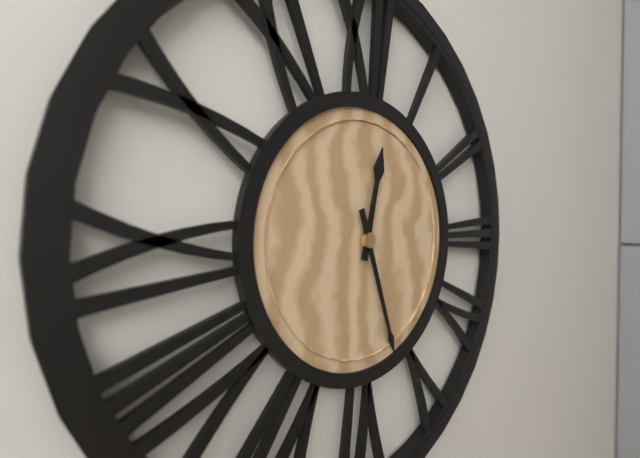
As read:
**12:27**
